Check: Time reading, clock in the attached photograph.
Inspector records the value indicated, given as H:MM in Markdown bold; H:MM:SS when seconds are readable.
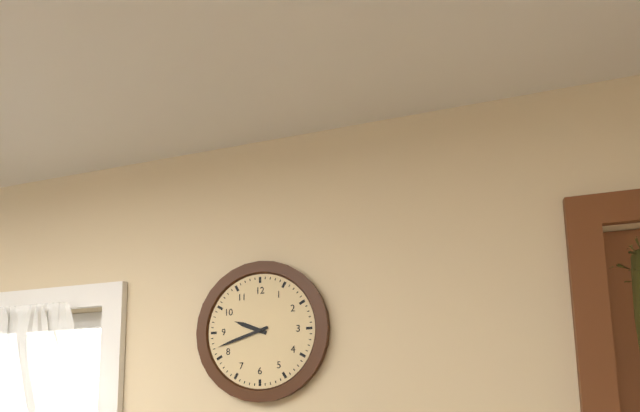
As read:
**9:42**
